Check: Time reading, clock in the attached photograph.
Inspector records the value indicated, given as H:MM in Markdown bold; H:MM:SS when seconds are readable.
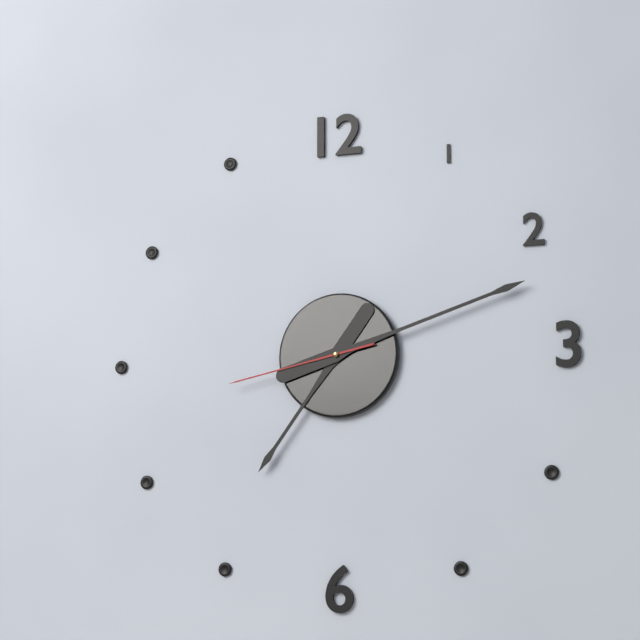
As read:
**7:12:43**
